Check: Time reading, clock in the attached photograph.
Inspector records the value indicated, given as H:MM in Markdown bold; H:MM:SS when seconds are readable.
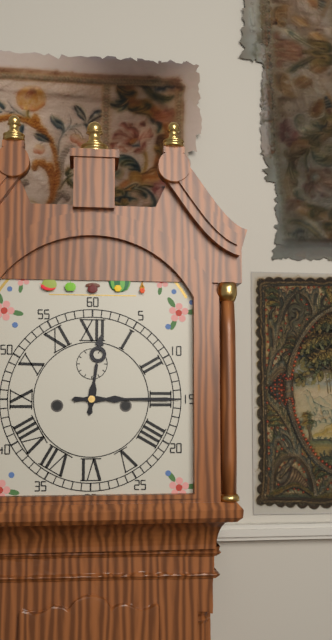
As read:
**12:15**
